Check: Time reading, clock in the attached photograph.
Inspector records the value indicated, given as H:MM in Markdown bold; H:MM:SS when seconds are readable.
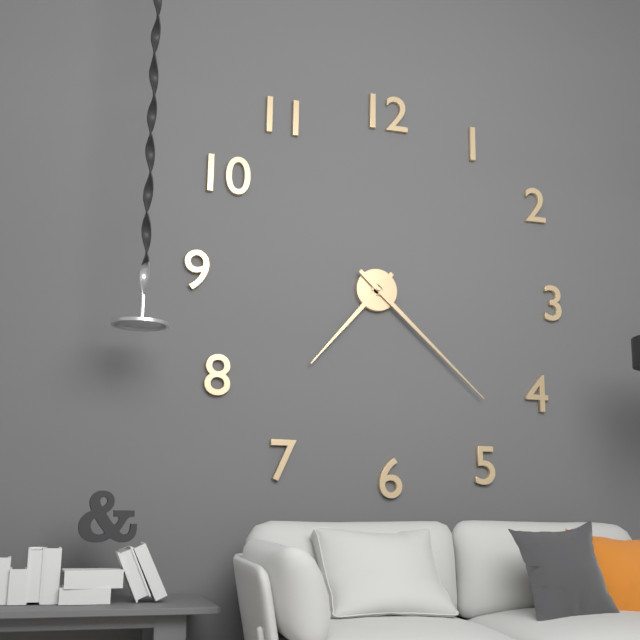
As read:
**7:22**
